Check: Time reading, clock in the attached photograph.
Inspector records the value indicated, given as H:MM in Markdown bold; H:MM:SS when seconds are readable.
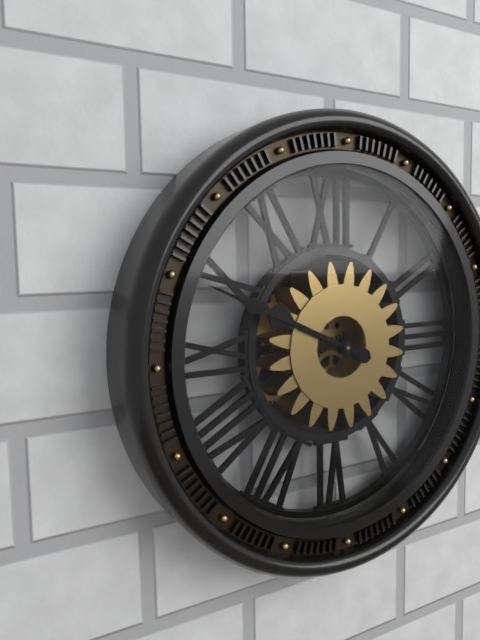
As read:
**9:49**
